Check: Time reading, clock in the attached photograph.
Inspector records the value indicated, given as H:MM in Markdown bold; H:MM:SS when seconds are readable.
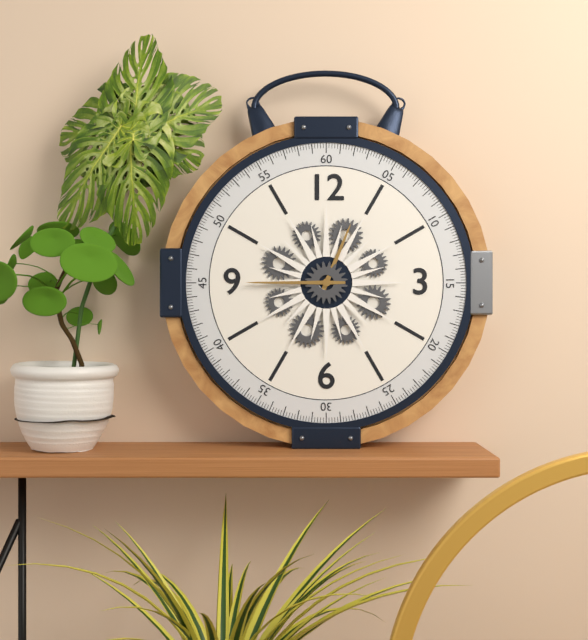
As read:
**12:45**
